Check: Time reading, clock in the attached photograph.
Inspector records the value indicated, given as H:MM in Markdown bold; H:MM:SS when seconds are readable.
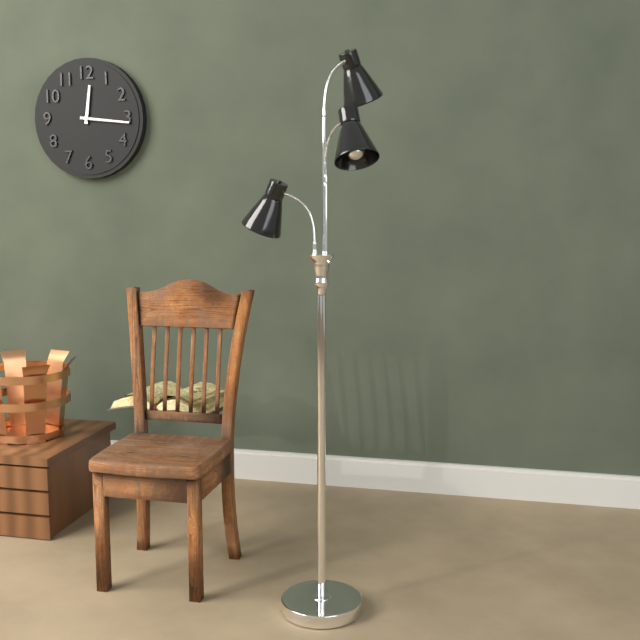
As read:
**12:16**
